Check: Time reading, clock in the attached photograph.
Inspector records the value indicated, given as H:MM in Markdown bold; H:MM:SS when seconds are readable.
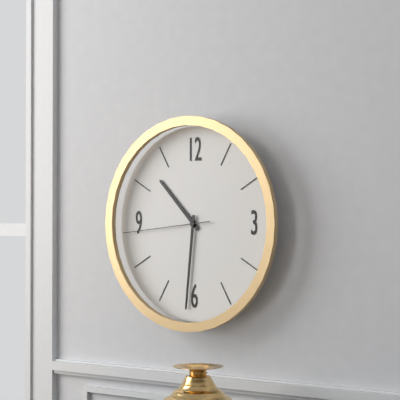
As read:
**10:31:44**
